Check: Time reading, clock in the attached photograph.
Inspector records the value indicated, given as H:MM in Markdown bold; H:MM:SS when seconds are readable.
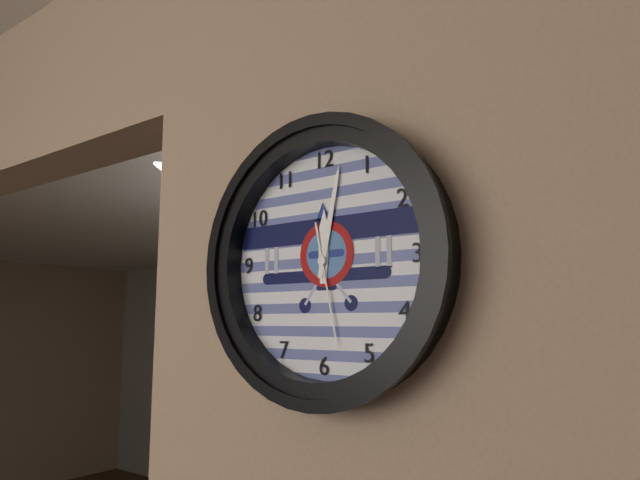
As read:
**12:02:28**
